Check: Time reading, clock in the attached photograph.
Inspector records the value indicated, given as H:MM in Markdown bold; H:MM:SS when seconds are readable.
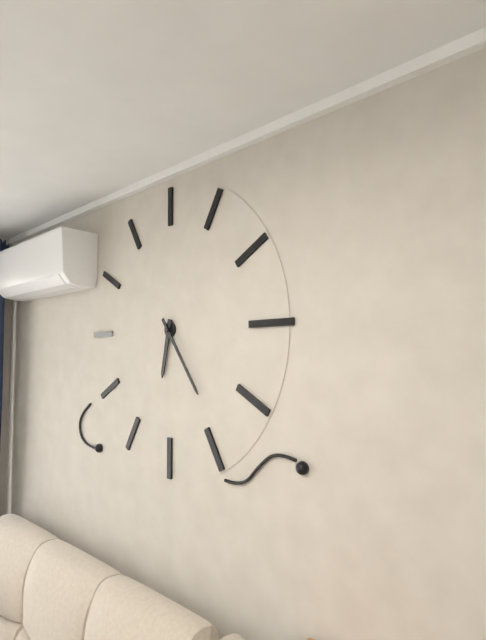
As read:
**6:24**
